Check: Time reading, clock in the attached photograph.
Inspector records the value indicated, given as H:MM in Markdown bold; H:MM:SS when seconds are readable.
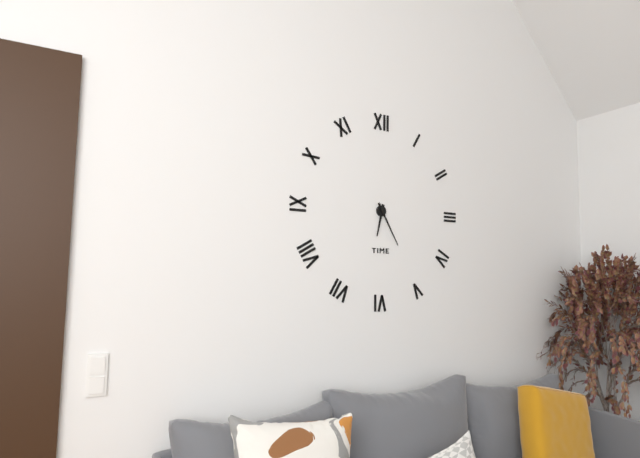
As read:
**6:25**
